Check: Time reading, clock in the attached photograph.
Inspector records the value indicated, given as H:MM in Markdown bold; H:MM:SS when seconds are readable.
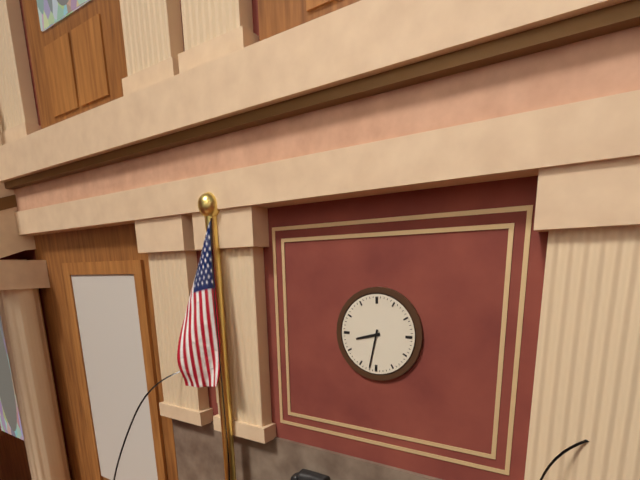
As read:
**8:32**
